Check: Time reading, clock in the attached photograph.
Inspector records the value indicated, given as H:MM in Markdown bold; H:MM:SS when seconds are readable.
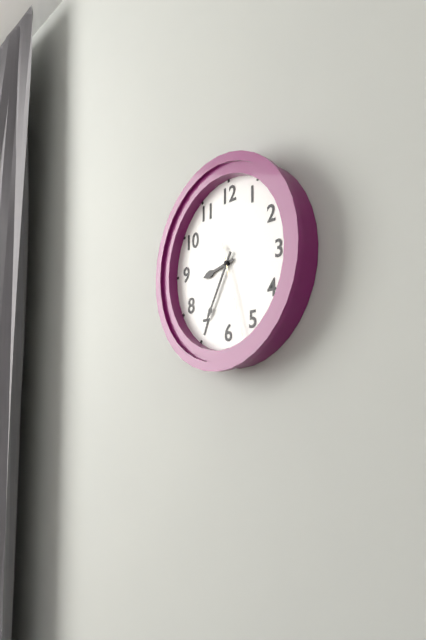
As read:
**8:35:27**
